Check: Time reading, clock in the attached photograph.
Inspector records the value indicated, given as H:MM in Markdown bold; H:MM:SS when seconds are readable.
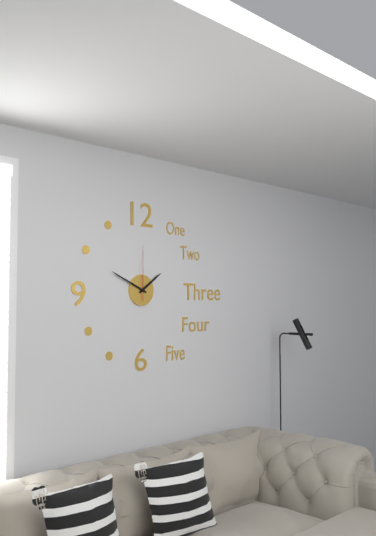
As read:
**1:49:00**
